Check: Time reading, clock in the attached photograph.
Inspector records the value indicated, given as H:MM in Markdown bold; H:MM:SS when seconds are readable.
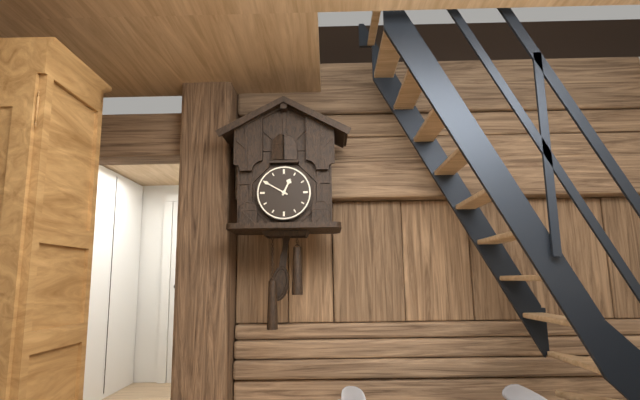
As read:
**12:50**
